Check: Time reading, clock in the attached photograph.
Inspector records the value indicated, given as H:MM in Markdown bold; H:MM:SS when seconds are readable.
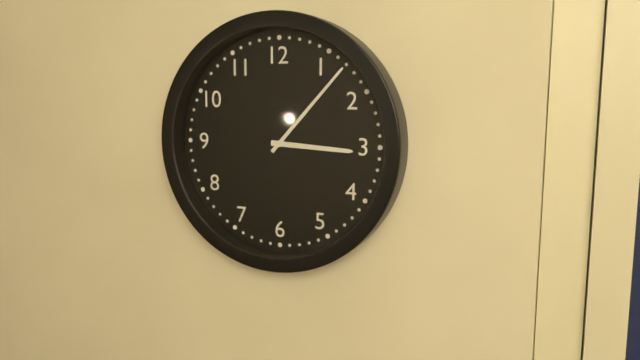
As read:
**3:07**
